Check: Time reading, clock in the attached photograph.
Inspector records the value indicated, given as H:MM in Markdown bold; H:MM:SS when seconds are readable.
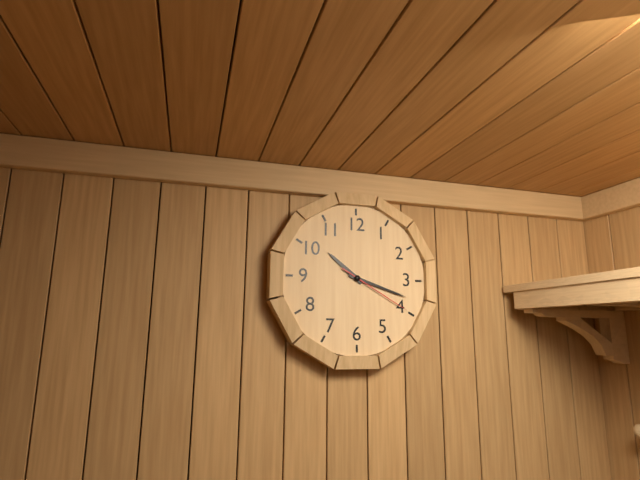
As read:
**10:18:20**
